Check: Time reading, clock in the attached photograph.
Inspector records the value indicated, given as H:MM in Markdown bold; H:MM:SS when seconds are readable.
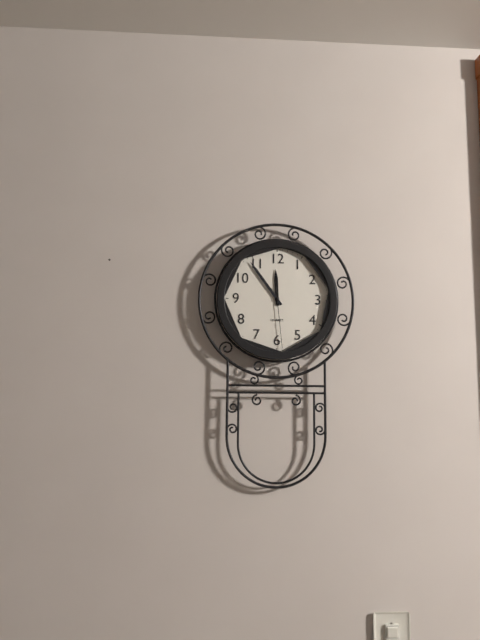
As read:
**11:54:29**
